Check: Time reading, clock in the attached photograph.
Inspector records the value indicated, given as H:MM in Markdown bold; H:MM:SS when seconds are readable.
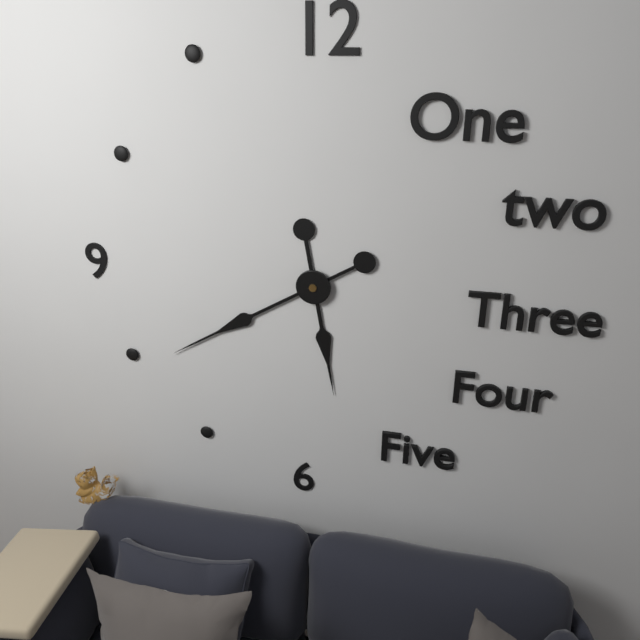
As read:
**5:40**
